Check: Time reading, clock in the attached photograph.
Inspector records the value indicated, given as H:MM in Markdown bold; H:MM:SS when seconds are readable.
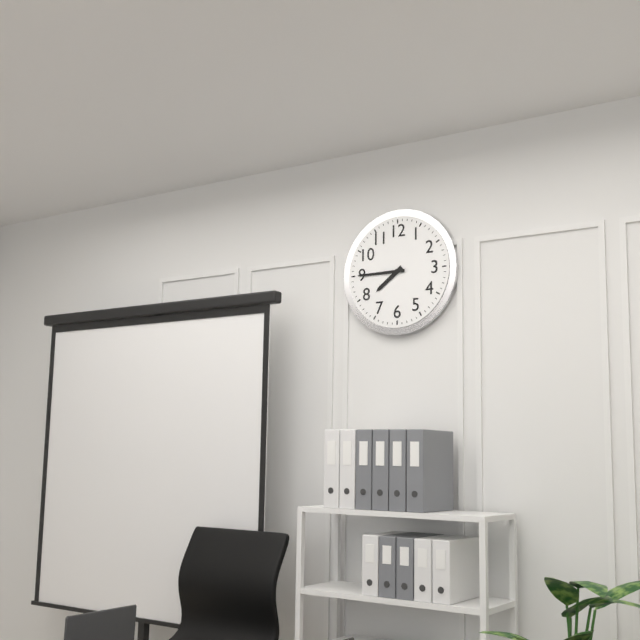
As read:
**7:45**
